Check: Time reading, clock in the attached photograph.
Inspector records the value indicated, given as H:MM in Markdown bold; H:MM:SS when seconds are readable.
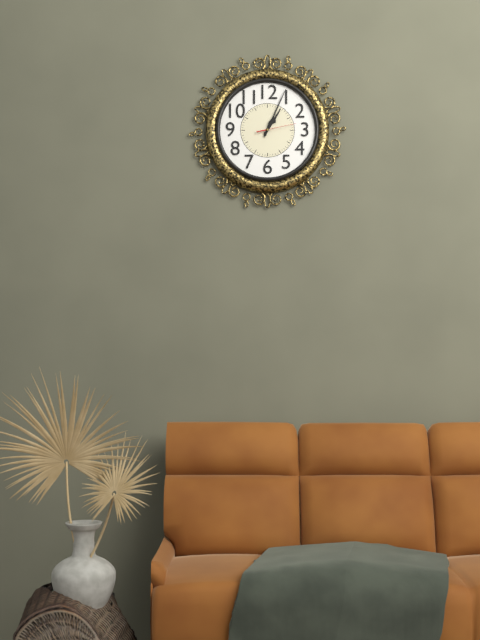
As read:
**1:04**
